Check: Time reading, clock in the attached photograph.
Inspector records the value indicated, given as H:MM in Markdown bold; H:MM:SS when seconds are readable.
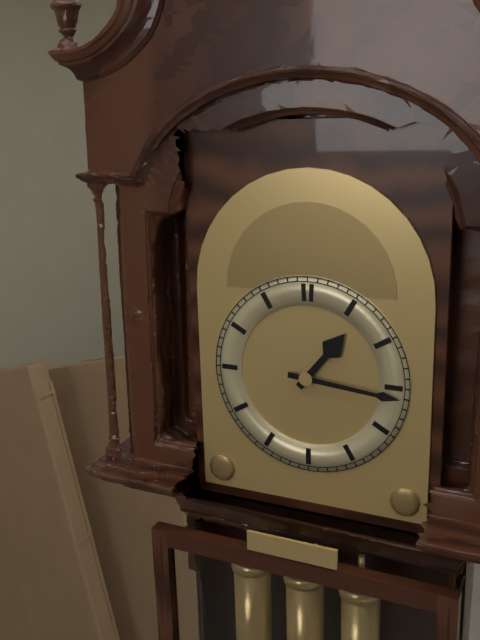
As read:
**1:16**
